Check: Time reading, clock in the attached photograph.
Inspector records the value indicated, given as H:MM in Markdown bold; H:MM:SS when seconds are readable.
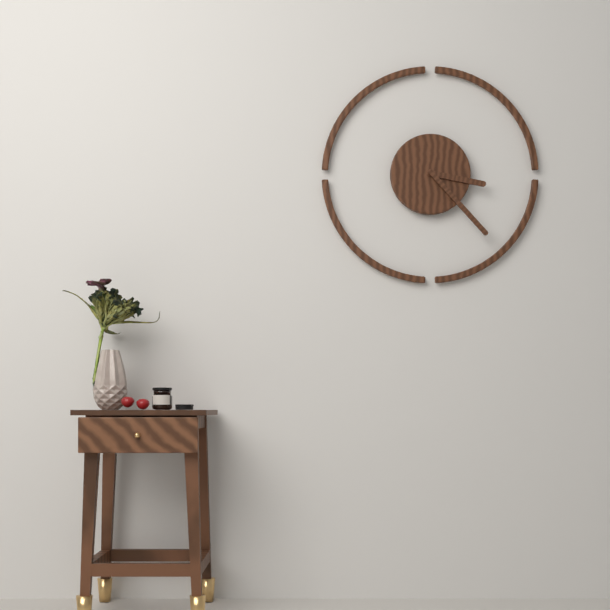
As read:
**3:23**
